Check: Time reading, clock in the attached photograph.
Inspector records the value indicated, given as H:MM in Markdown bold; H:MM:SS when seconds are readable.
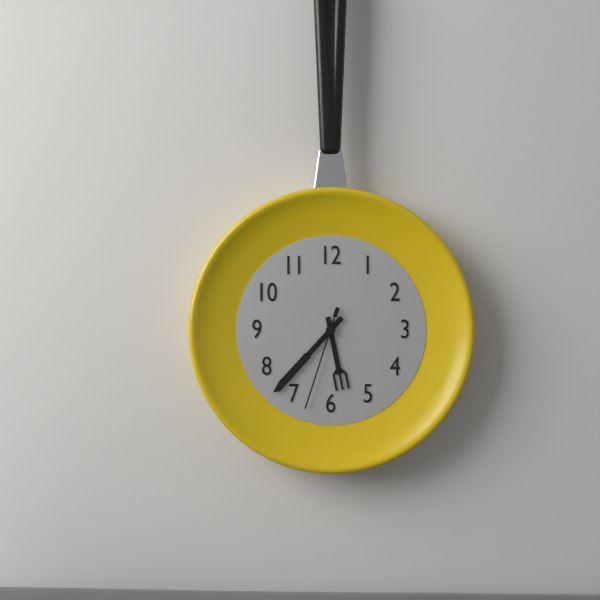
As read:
**5:37:33**
